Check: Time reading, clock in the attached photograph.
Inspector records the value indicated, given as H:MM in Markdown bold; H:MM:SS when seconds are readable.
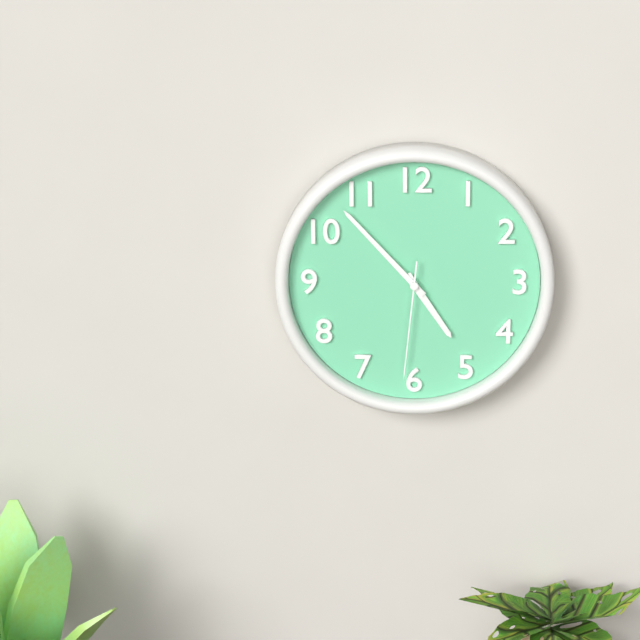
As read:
**4:53:31**
